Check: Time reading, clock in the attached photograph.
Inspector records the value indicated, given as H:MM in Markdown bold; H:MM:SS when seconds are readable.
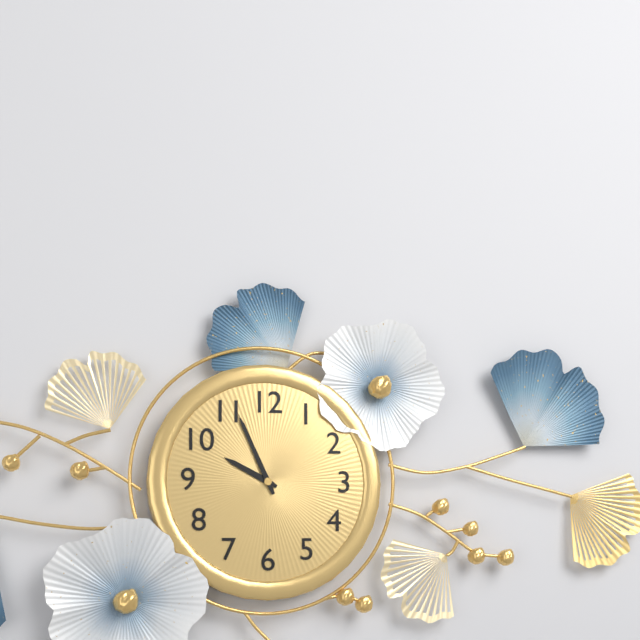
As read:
**9:56**
